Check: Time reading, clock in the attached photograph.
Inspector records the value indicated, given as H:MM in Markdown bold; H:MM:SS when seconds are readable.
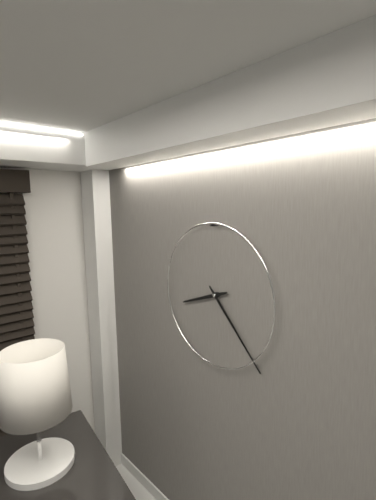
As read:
**8:23**
